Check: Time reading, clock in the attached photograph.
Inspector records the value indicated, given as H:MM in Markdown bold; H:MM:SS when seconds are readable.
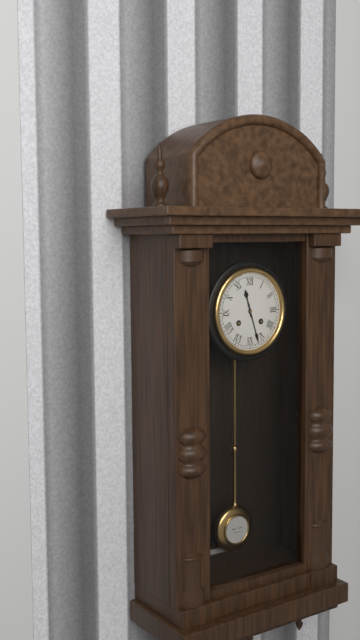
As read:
**11:27**
